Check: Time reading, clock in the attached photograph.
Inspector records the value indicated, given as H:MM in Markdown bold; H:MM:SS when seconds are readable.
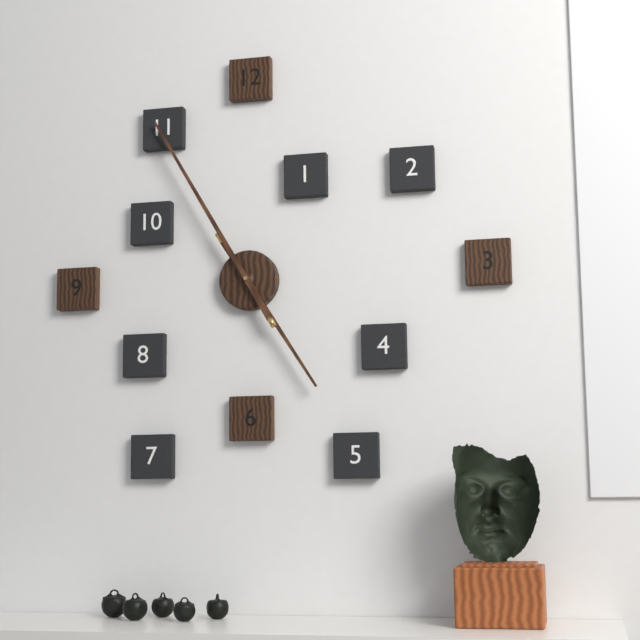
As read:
**4:55**
